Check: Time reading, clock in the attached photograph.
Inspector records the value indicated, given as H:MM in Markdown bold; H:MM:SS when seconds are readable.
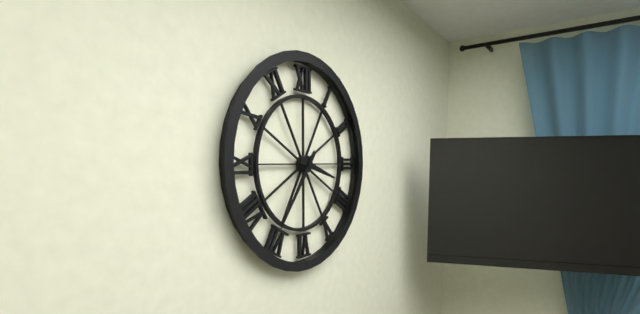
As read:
**3:36**
